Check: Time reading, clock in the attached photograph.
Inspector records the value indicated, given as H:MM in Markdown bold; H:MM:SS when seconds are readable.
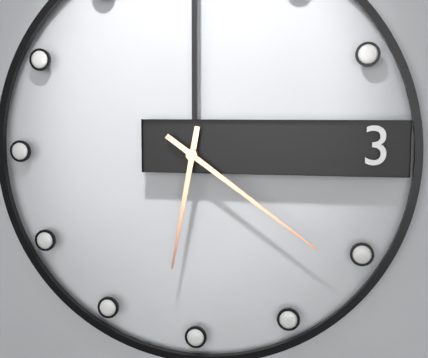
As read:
**6:21**
